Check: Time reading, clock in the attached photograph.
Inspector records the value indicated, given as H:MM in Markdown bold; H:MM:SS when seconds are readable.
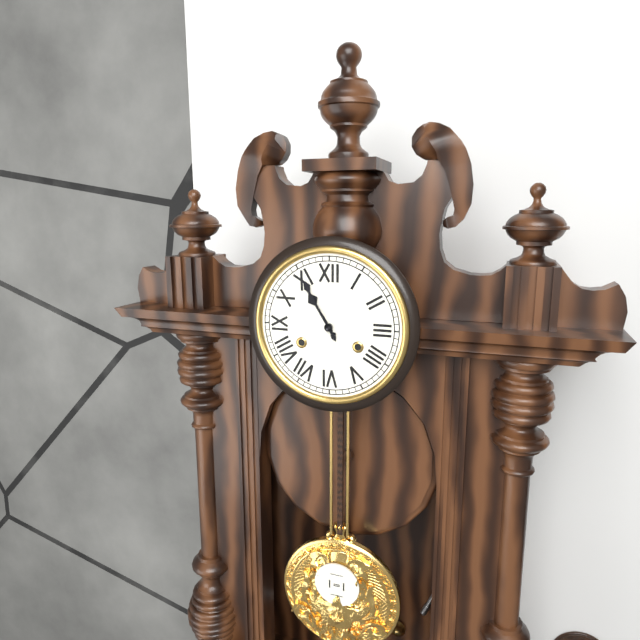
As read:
**10:55**
